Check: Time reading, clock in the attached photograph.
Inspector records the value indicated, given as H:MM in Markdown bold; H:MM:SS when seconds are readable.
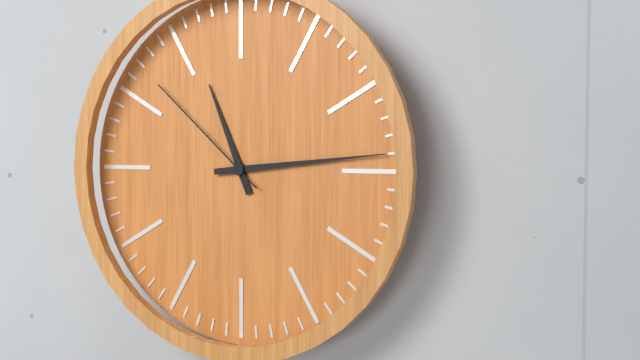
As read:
**11:14:52**
